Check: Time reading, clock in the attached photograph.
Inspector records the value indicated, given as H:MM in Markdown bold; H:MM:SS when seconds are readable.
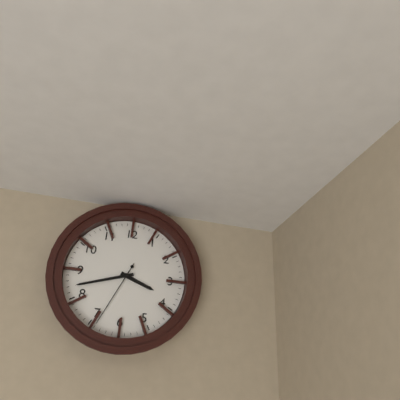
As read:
**3:42:34**
